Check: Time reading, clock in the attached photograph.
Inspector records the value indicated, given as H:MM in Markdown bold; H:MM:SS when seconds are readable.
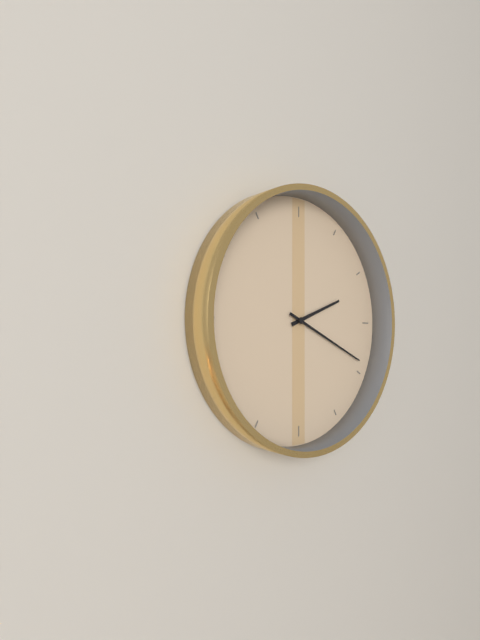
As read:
**2:19**
